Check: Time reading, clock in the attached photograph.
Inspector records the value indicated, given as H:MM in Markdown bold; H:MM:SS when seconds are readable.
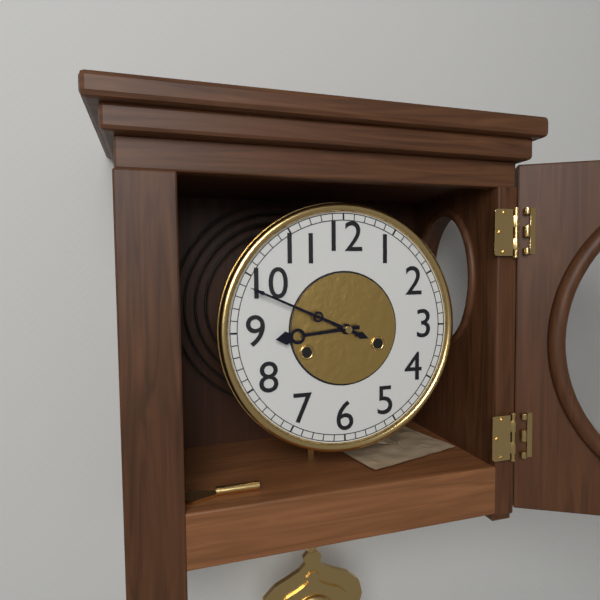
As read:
**8:49**
